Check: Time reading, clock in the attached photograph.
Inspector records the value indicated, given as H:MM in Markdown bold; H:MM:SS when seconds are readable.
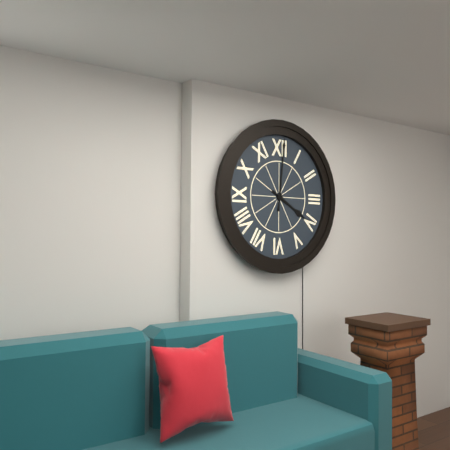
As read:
**4:01**
